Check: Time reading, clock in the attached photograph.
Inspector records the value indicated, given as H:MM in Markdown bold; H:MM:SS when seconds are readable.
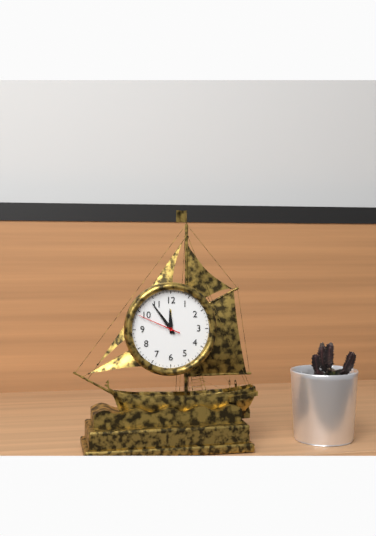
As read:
**11:54**
